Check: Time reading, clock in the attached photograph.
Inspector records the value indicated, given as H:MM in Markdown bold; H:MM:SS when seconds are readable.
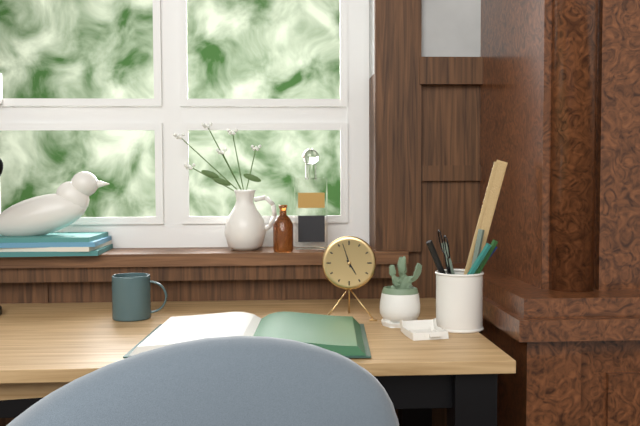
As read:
**4:57**
